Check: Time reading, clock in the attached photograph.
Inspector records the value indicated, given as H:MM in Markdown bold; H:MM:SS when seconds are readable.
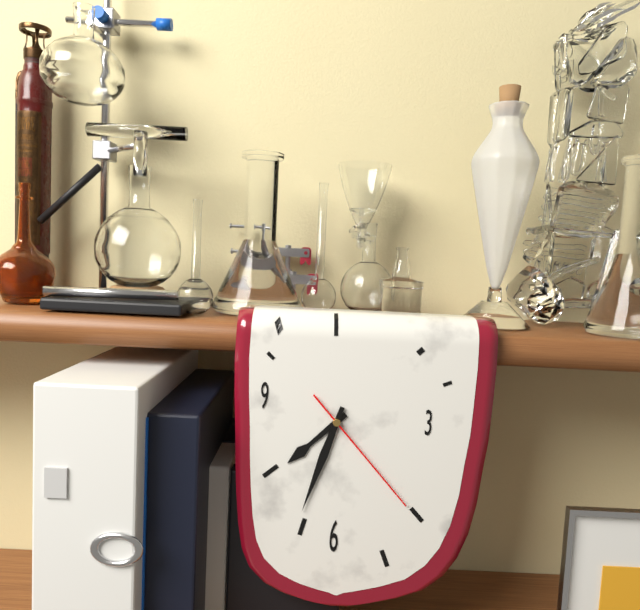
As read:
**7:33:23**
